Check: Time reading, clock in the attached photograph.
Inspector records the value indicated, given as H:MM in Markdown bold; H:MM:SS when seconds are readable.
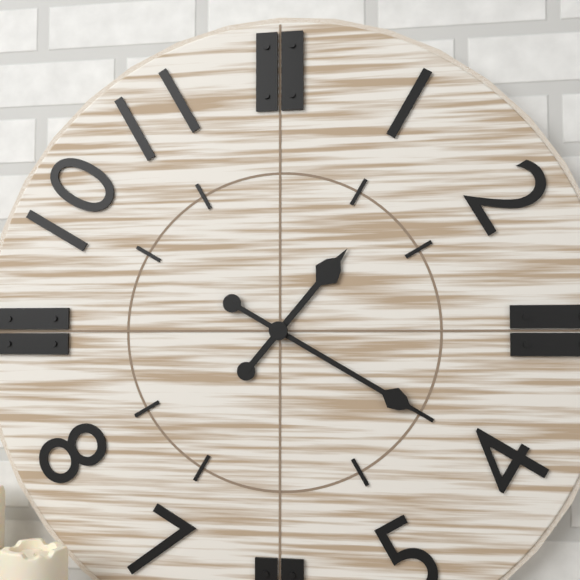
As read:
**1:20**
